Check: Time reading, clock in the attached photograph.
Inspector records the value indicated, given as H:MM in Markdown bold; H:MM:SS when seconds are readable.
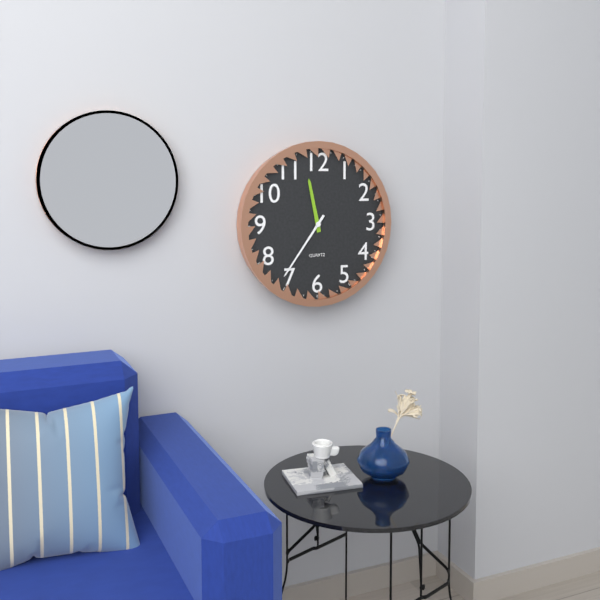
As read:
**11:36**
